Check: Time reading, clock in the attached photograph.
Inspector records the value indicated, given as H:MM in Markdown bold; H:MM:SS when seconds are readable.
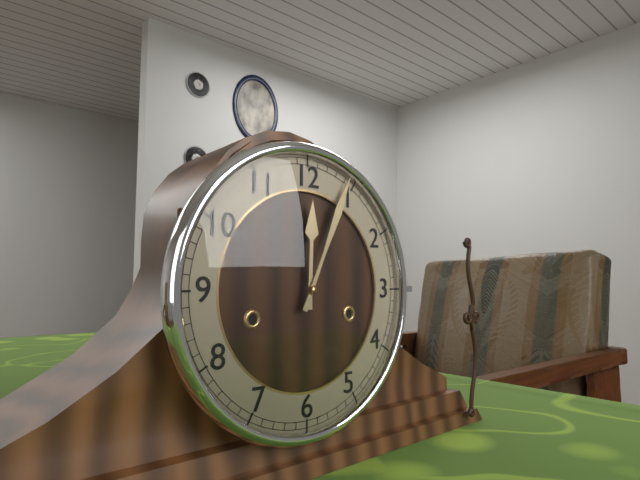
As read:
**12:04**
